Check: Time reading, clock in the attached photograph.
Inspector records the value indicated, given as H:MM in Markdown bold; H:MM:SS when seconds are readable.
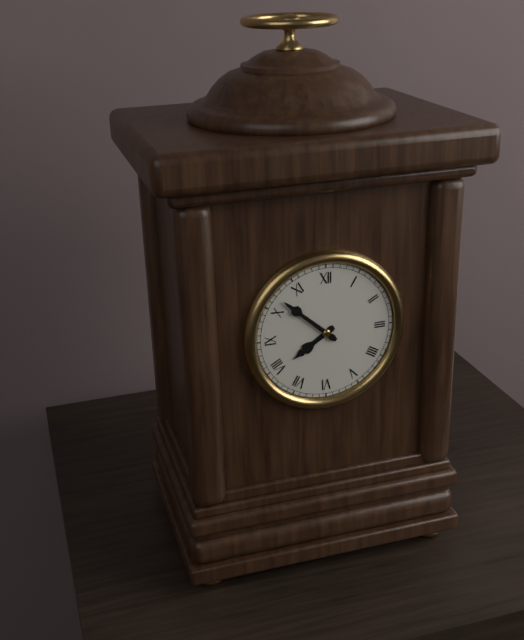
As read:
**7:52**
